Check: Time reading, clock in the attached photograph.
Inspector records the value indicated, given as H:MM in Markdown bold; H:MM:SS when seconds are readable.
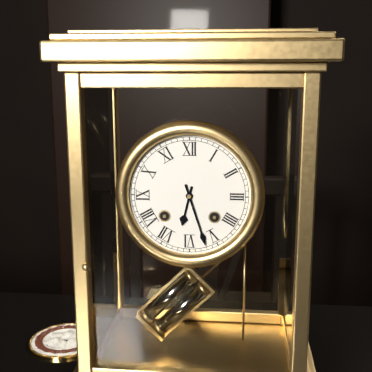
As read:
**6:27**
